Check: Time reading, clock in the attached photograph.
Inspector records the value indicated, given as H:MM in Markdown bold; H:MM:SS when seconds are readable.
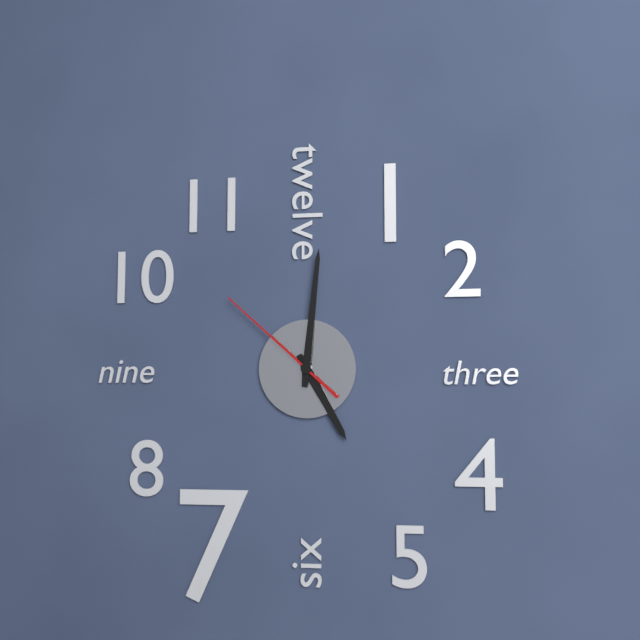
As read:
**5:01:52**
